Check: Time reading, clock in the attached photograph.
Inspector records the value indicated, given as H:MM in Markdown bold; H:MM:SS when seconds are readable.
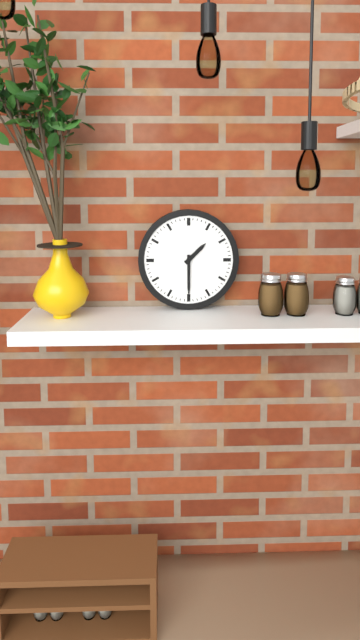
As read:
**1:30**
